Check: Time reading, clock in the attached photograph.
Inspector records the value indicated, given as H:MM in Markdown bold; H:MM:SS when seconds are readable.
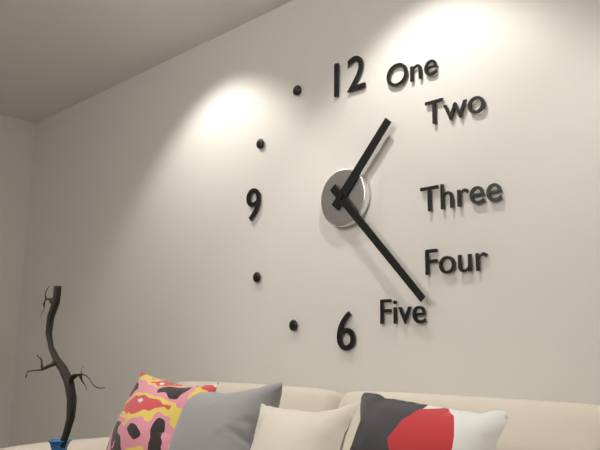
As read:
**1:23**
